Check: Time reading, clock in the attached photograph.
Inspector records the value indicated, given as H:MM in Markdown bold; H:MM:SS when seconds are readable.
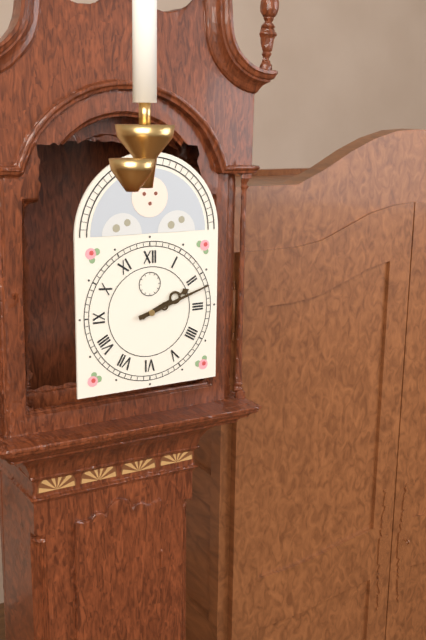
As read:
**2:12**
